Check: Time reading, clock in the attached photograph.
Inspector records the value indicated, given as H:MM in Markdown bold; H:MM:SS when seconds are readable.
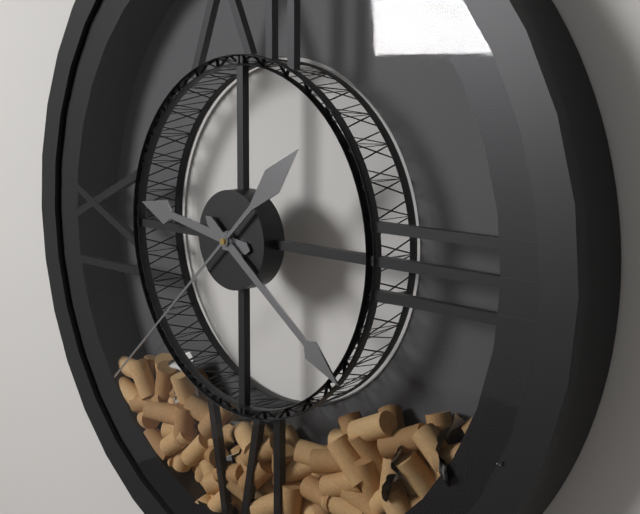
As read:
**9:21:38**
